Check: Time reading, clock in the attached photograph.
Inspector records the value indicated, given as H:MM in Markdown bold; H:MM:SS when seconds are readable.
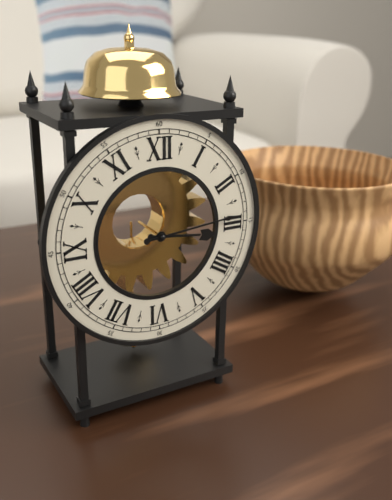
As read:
**3:14**
